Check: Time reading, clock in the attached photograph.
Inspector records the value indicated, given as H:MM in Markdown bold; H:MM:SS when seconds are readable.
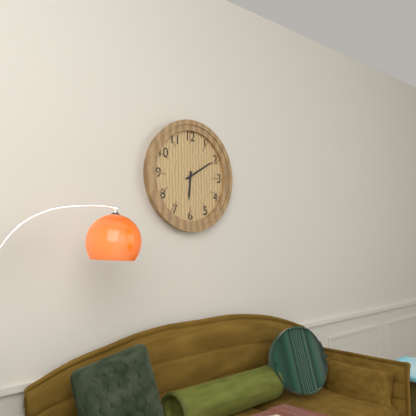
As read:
**6:10**
